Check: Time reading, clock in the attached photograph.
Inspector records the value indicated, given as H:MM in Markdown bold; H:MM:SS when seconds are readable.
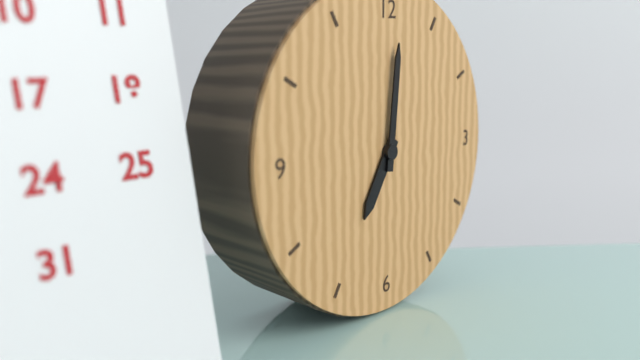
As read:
**7:01**
